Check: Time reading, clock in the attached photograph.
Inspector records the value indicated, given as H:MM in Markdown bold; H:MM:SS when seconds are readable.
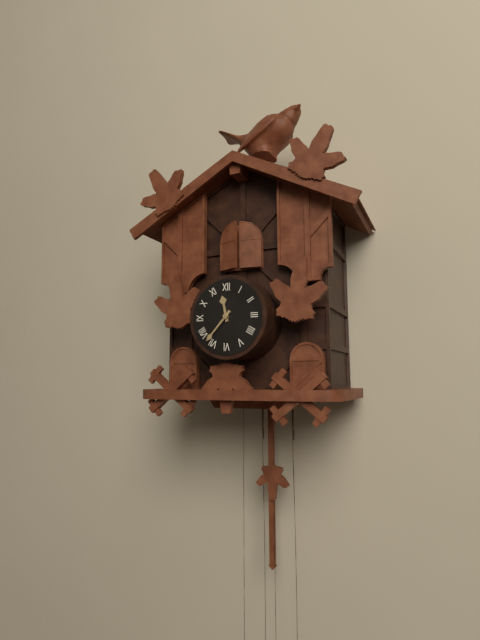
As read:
**11:37**
